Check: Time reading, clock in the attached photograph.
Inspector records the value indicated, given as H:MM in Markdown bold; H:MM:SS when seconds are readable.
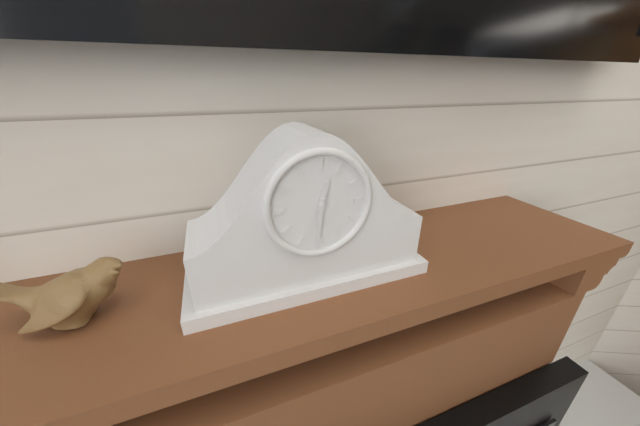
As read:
**12:31**
